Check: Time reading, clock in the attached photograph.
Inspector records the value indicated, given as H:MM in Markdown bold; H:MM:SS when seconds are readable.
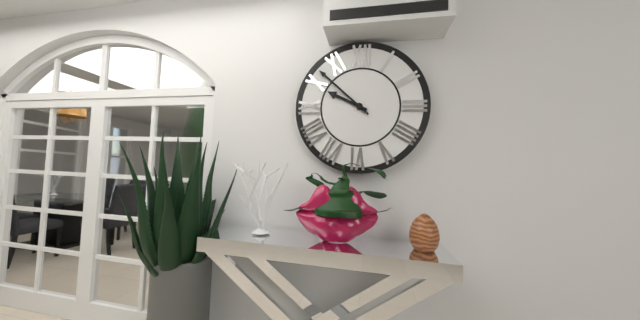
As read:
**9:52**
